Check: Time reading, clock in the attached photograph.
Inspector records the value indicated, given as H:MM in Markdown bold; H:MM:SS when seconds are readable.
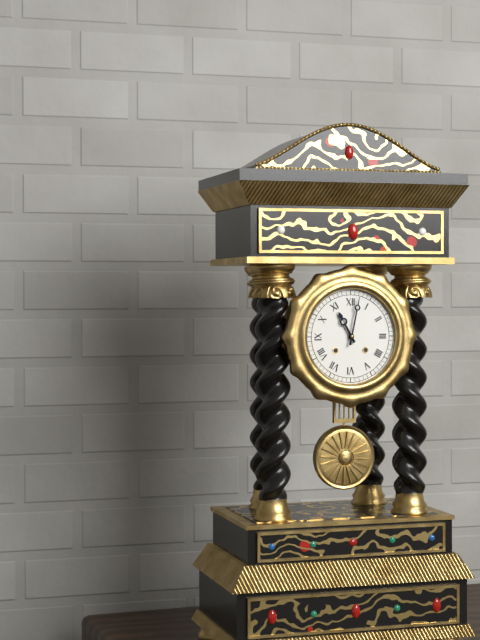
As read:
**11:02**
